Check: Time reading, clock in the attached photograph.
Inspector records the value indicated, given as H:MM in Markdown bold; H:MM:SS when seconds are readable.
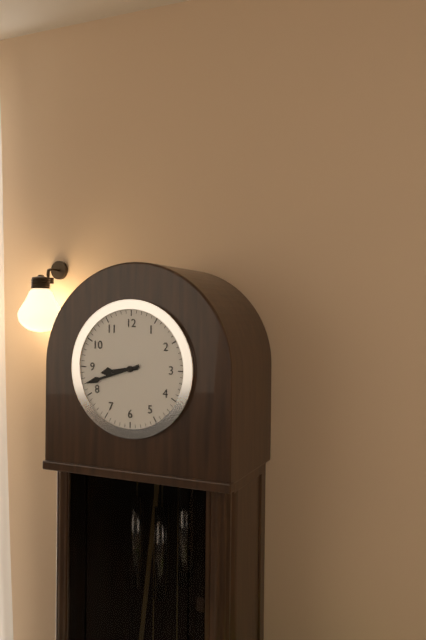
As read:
**8:42**
